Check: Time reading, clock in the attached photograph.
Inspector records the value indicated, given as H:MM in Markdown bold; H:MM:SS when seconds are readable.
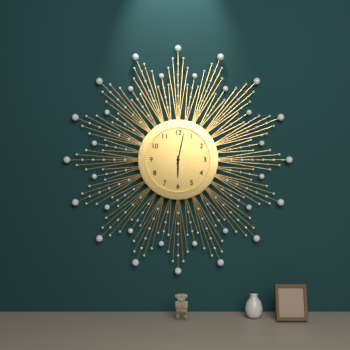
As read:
**6:02**
